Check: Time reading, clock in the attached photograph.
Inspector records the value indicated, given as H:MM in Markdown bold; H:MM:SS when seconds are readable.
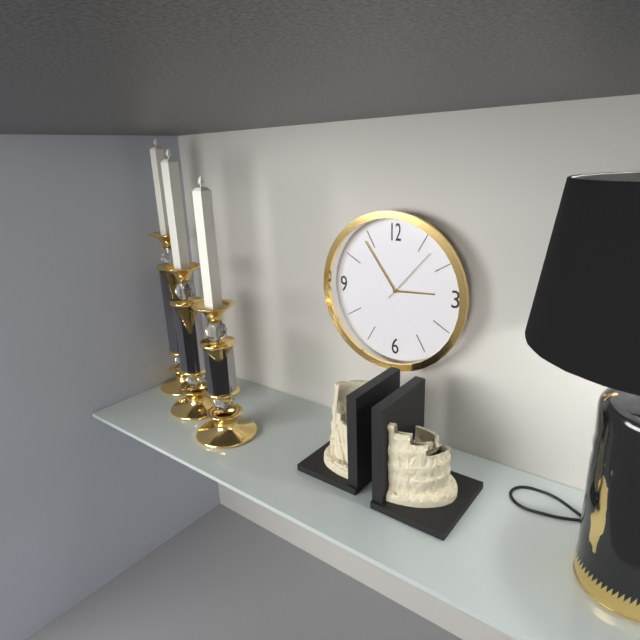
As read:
**2:54:07**
